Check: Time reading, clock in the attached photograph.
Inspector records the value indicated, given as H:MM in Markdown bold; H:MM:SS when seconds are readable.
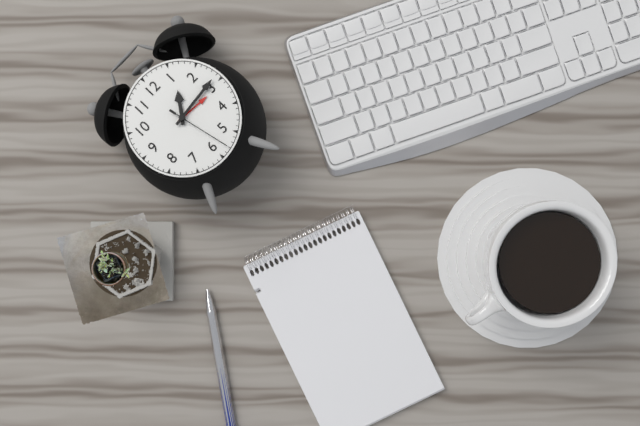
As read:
**1:14:28**
